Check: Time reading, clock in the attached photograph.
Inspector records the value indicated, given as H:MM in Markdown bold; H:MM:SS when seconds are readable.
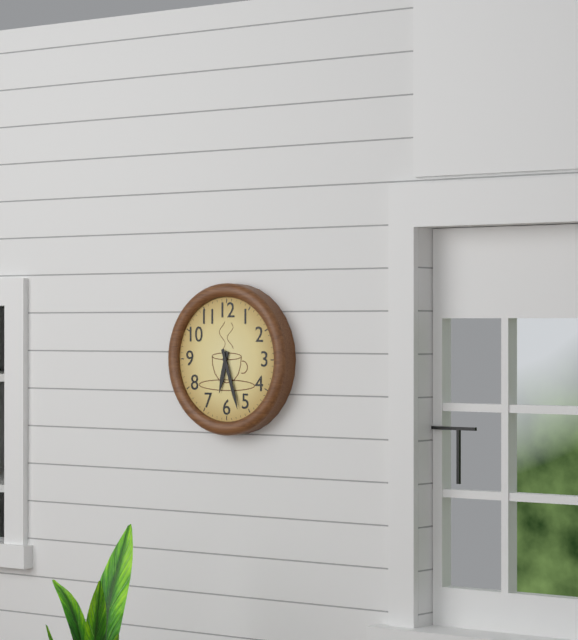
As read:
**6:27**
